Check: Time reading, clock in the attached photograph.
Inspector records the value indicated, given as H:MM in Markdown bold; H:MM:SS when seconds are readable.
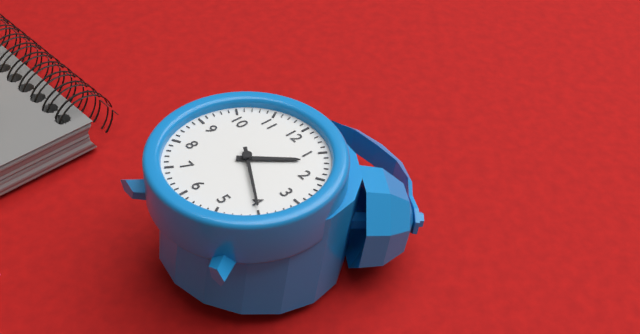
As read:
**1:20**
